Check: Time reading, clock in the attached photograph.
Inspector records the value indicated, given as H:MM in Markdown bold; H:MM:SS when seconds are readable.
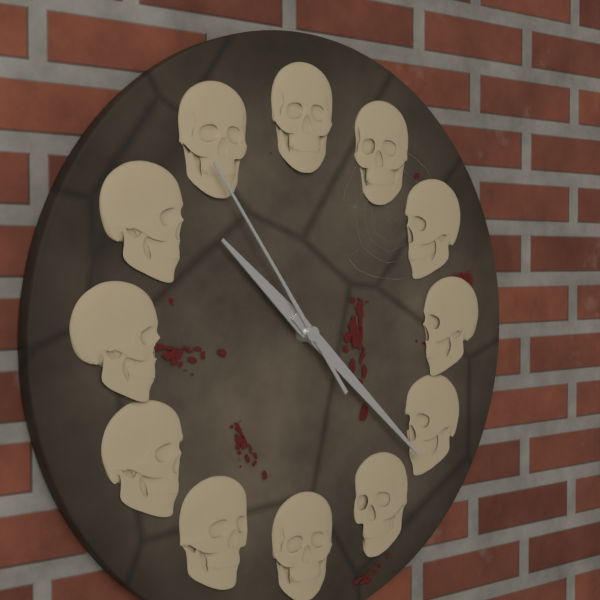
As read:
**10:22:54**
